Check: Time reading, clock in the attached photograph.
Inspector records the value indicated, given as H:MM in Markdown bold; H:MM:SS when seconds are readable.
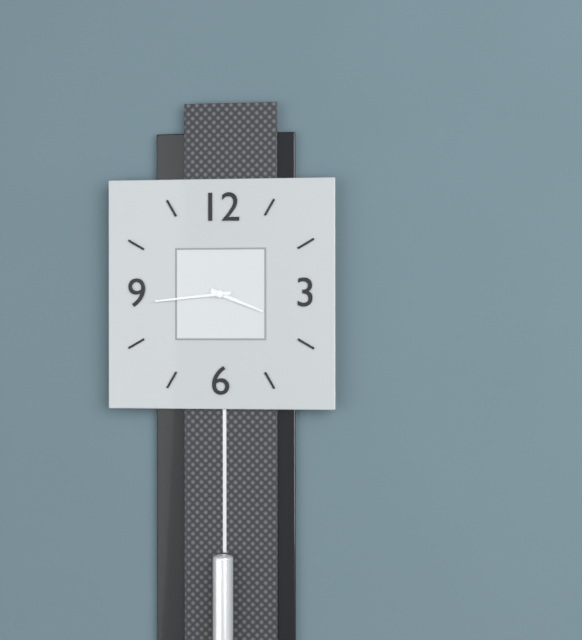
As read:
**3:44**
